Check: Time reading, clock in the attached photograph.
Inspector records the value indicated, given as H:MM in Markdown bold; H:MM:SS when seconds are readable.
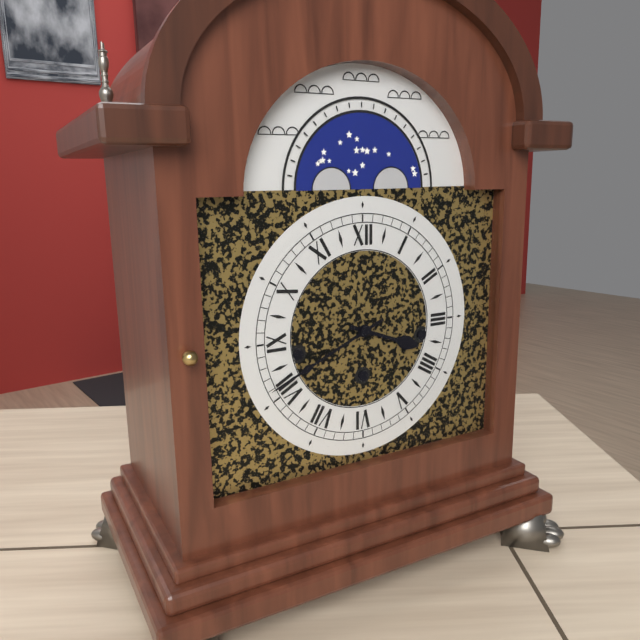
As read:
**3:41**
